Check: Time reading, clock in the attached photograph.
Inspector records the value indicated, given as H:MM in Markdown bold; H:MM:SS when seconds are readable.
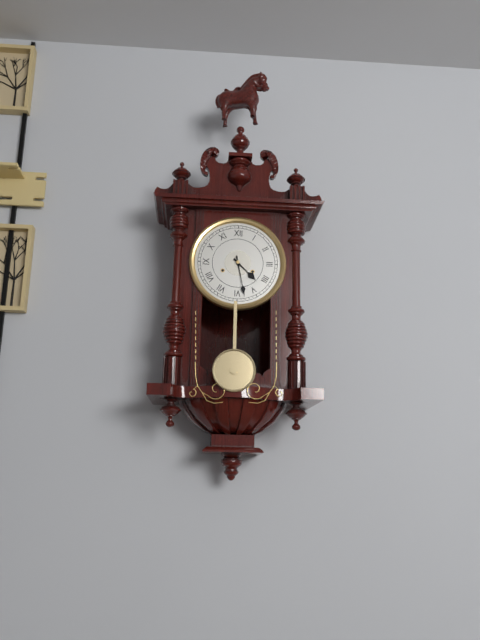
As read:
**4:28**
